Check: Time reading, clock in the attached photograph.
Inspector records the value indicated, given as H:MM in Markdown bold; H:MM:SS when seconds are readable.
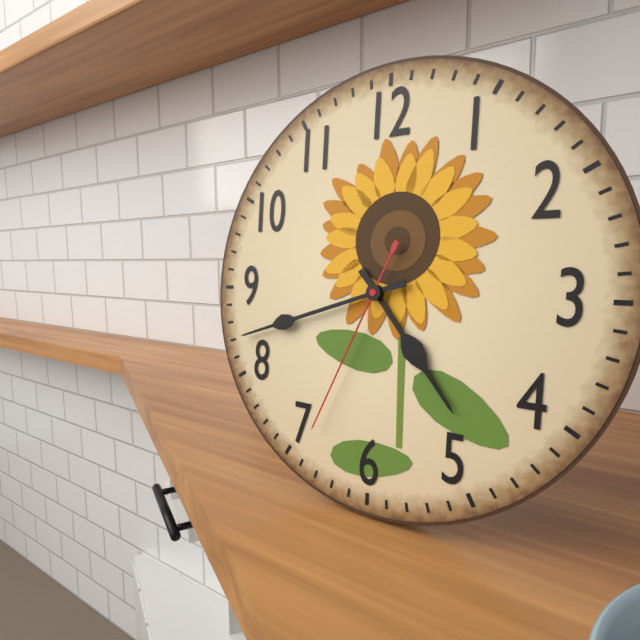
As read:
**4:42:34**
